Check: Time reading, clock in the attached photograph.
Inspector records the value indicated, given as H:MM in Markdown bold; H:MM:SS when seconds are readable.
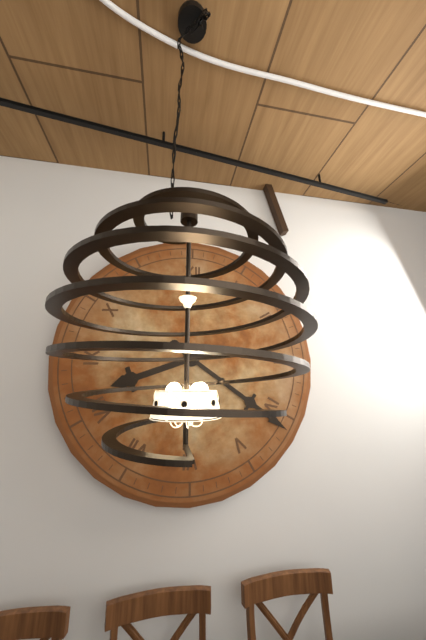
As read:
**8:21**
